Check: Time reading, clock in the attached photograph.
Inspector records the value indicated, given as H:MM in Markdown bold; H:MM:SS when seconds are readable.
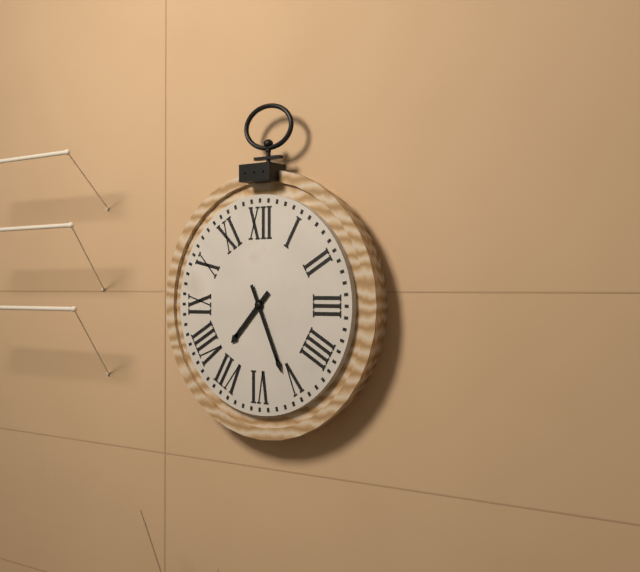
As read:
**7:26**
